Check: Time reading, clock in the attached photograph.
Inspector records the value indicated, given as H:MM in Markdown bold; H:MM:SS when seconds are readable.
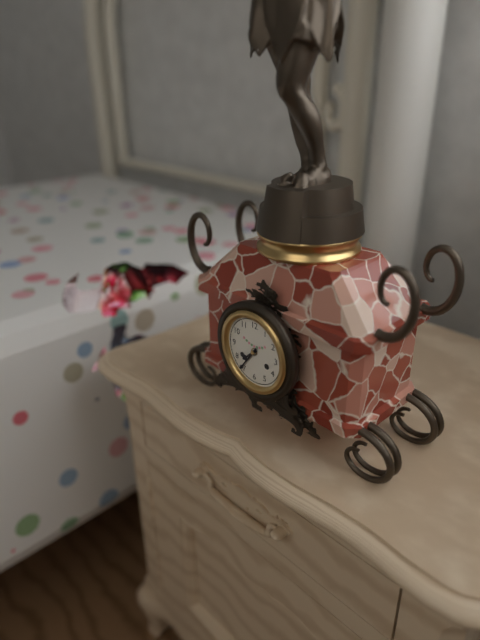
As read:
**7:36**
